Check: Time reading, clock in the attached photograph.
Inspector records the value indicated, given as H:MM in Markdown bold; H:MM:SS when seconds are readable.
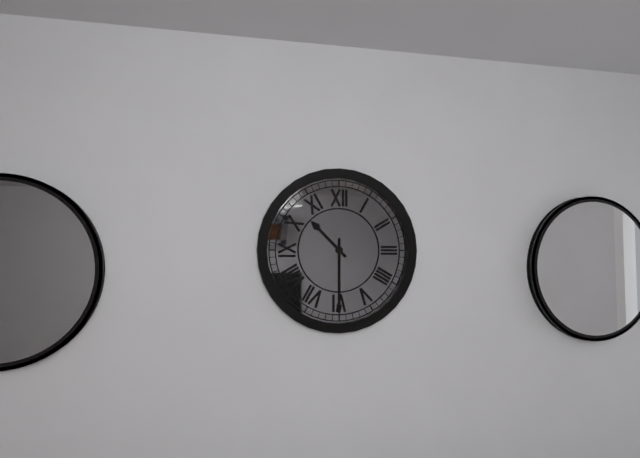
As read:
**10:30**
